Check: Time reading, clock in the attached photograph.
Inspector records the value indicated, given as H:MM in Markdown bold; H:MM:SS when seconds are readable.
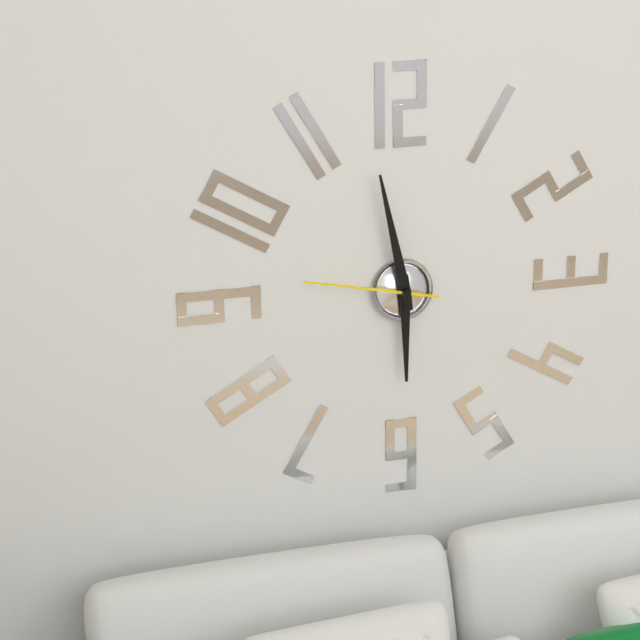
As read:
**5:58:47**
